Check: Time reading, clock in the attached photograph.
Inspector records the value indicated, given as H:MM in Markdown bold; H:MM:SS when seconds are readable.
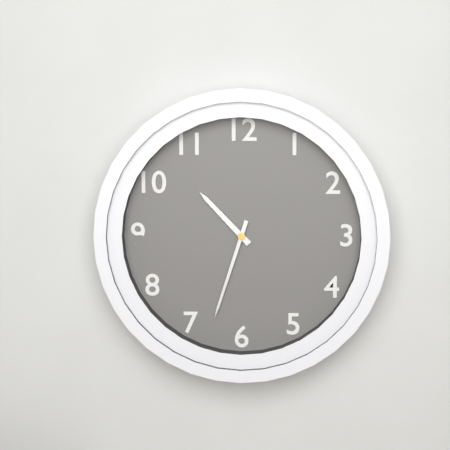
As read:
**10:33**
